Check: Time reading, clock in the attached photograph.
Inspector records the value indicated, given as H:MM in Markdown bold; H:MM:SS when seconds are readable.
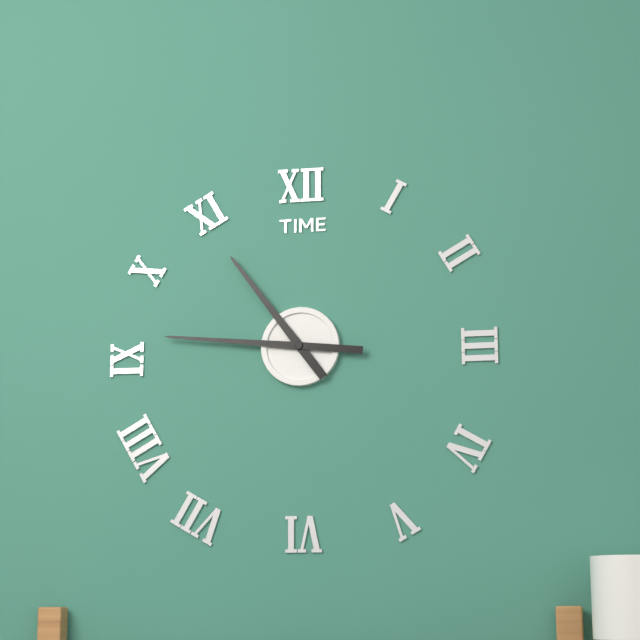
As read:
**10:46**
